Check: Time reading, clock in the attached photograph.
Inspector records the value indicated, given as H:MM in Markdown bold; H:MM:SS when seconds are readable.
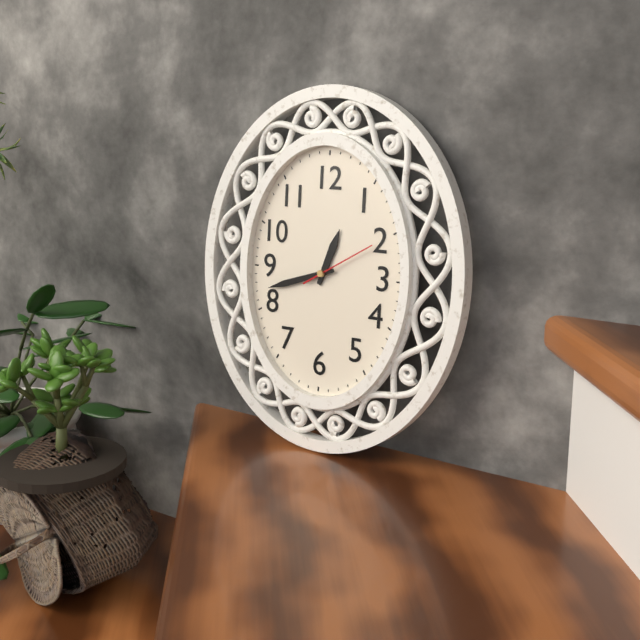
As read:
**12:42:10**
